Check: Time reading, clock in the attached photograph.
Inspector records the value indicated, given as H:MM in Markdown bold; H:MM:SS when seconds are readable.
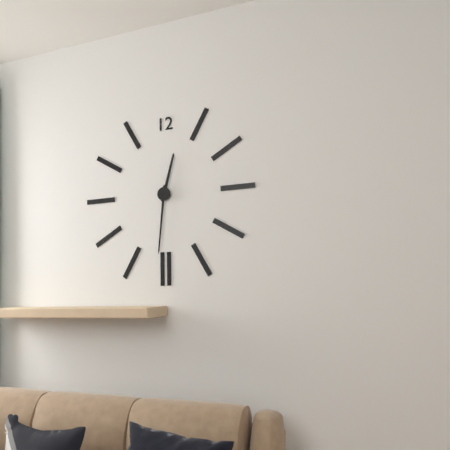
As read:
**12:31**
